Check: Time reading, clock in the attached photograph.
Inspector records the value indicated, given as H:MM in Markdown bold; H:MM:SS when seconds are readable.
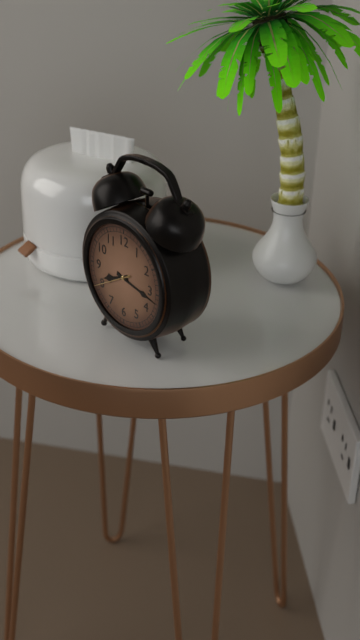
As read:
**8:17**
